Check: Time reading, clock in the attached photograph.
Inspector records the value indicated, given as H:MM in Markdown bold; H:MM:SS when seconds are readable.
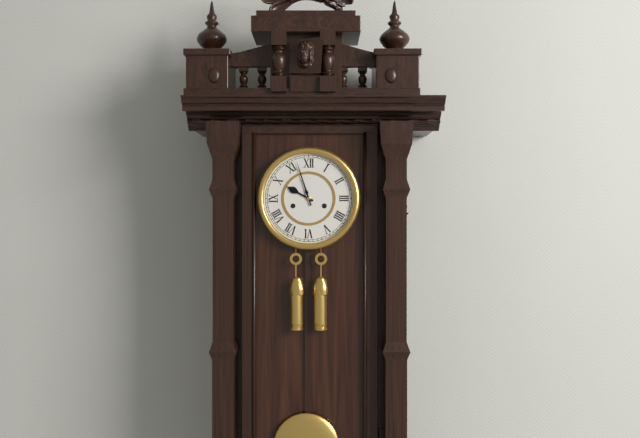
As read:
**9:57**
